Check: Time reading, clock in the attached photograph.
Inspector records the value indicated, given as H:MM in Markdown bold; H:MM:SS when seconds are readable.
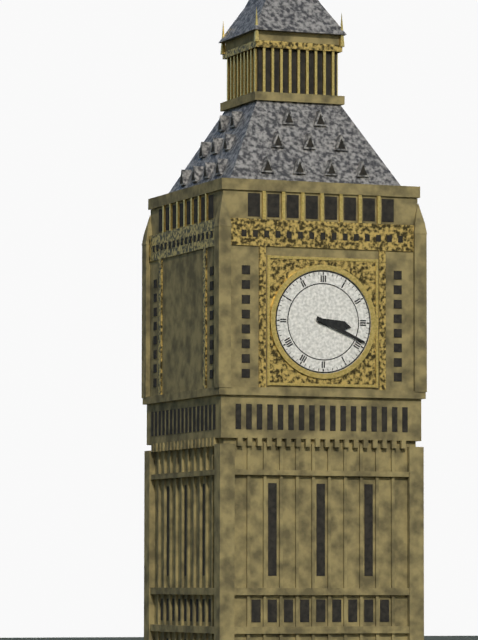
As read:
**3:19**
